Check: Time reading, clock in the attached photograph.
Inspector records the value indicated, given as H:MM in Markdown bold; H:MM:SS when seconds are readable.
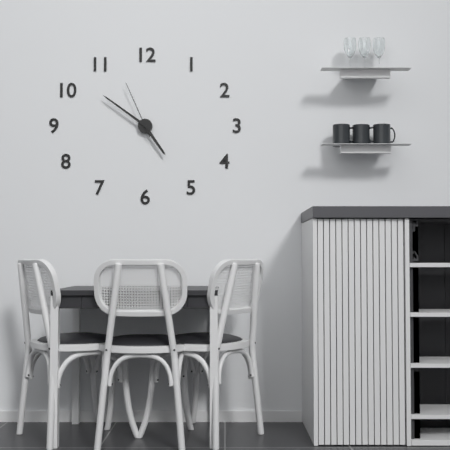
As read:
**4:51:56**
